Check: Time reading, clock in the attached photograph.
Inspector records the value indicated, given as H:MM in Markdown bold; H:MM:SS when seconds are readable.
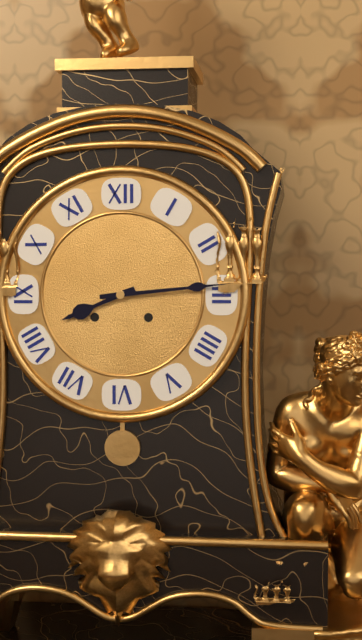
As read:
**8:14**
